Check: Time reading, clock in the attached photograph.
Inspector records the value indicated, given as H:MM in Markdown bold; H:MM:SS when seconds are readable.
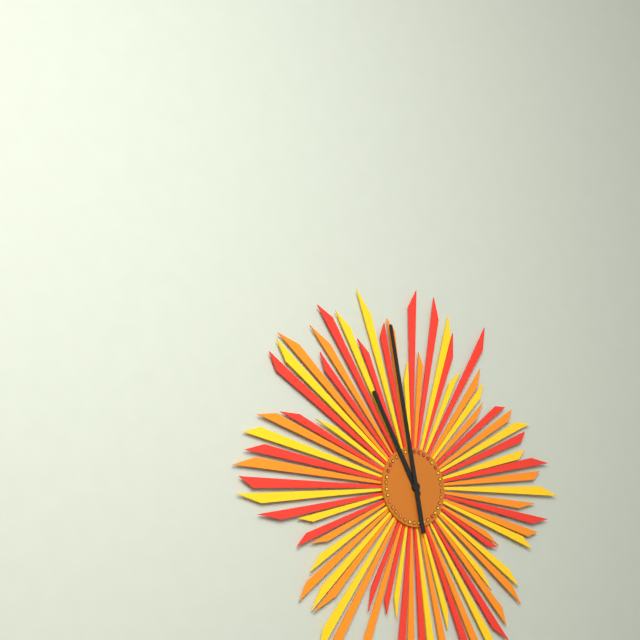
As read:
**10:58**
